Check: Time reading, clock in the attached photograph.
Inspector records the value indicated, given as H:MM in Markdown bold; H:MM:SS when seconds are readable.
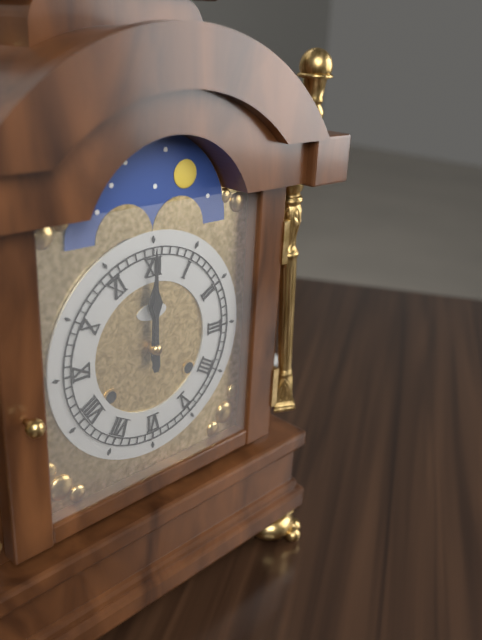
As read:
**12:00**
